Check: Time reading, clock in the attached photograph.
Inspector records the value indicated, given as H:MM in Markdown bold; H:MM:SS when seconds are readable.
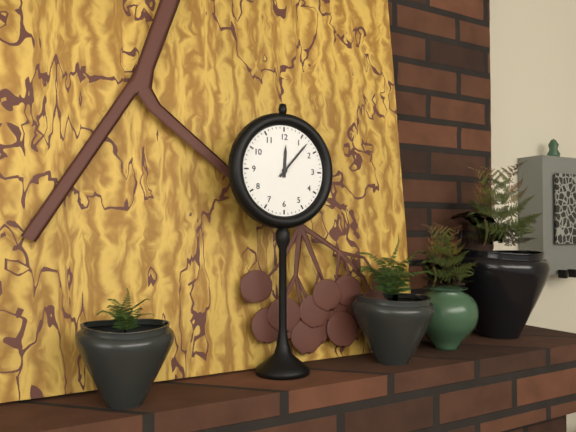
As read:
**12:07**
